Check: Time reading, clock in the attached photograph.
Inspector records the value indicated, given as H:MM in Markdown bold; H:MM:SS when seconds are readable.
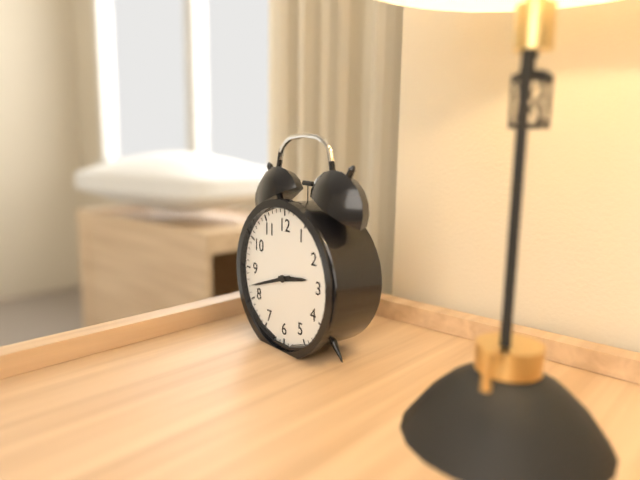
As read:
**2:42**
